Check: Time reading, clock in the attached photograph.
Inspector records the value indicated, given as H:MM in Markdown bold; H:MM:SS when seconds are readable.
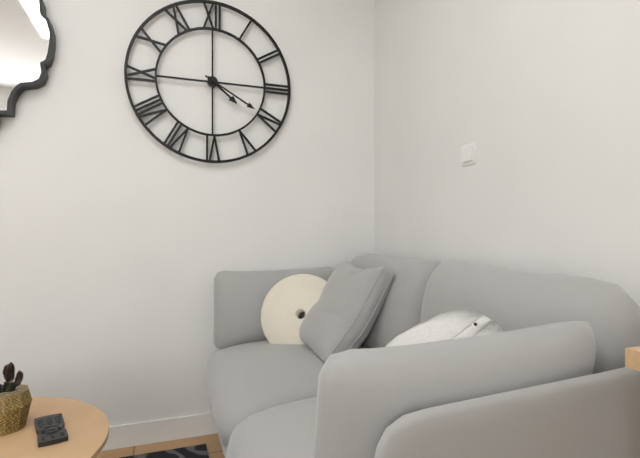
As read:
**4:20**
